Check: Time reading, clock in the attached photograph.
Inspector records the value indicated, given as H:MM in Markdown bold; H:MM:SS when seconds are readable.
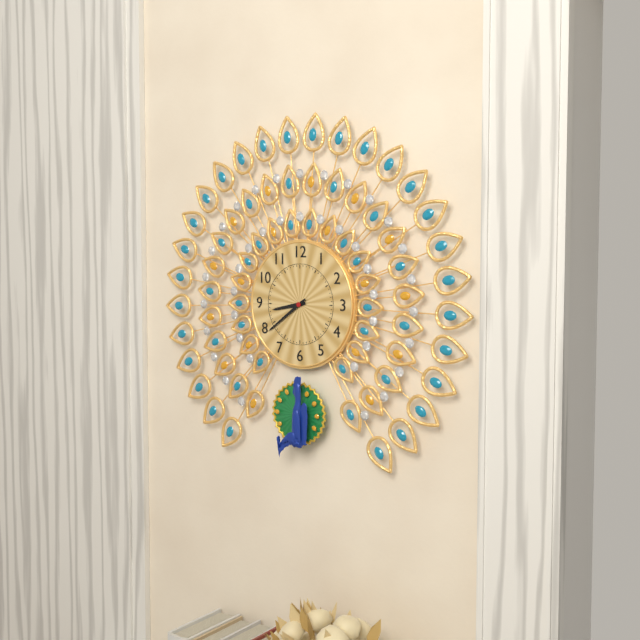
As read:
**8:39**
